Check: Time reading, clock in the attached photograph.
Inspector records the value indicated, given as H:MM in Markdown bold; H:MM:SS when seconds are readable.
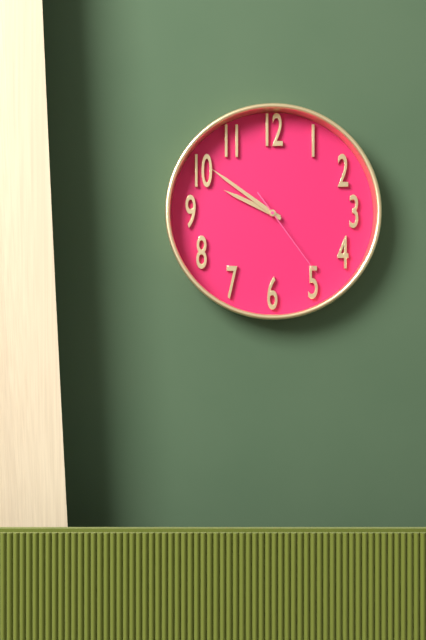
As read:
**9:51:24**
